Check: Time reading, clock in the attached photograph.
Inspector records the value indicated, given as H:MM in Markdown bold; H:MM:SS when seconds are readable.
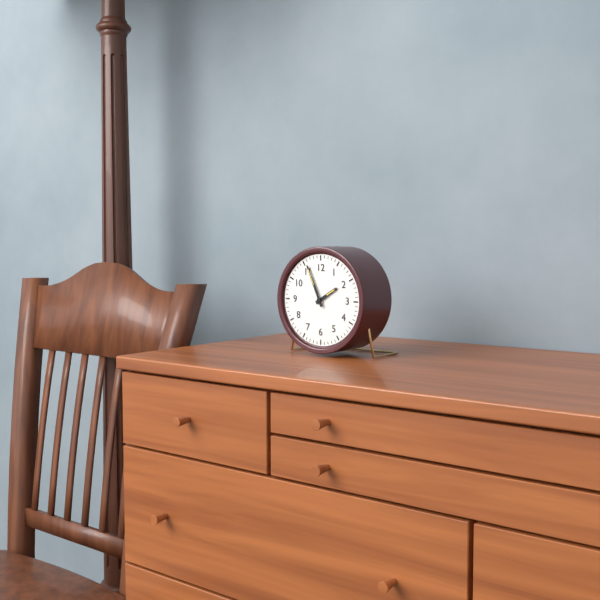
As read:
**1:56**
